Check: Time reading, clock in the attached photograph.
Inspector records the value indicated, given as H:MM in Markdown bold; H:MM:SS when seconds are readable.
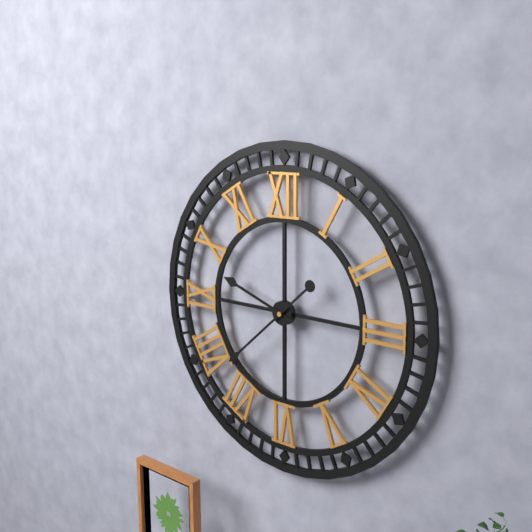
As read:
**9:38**
